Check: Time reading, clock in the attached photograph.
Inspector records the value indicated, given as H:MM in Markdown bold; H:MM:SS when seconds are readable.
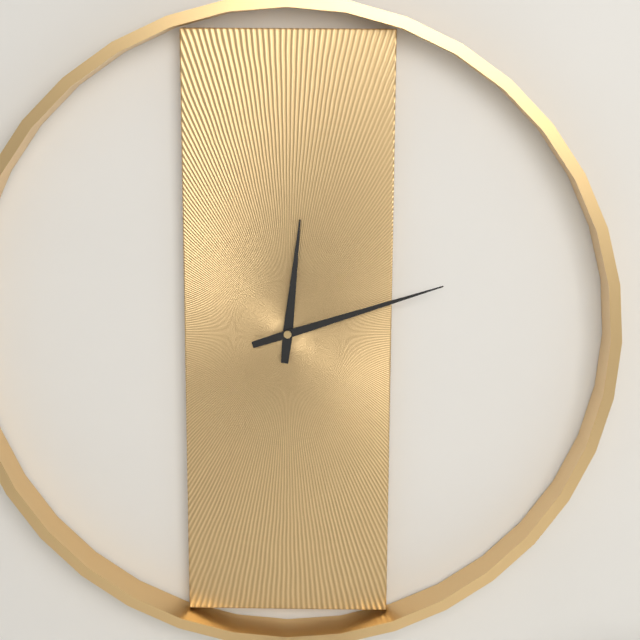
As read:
**12:12**
